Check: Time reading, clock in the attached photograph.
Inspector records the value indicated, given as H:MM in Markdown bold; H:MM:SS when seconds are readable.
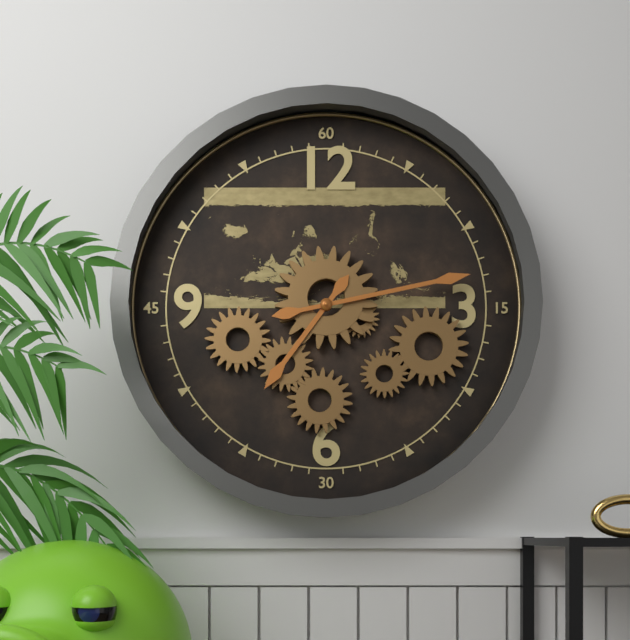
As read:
**7:13**
